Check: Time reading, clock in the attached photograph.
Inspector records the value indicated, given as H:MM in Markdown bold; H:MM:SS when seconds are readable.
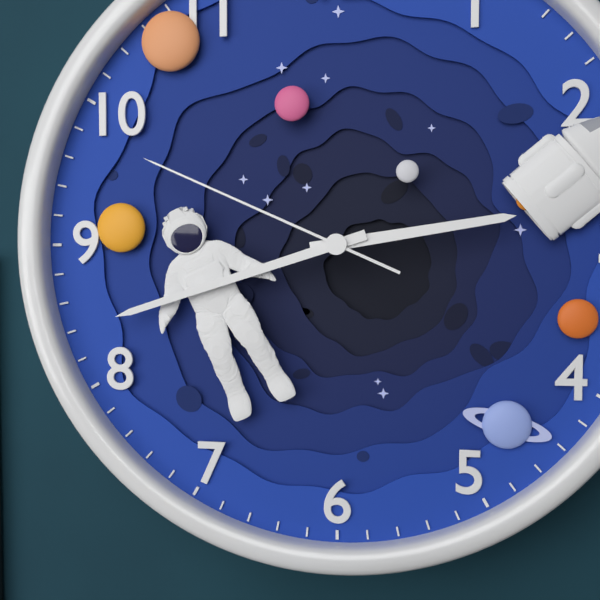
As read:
**2:42:49**
